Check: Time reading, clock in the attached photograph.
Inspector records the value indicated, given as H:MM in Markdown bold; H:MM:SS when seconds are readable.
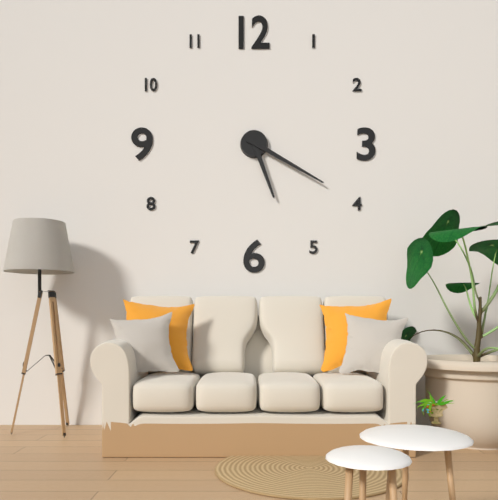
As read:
**5:20**
